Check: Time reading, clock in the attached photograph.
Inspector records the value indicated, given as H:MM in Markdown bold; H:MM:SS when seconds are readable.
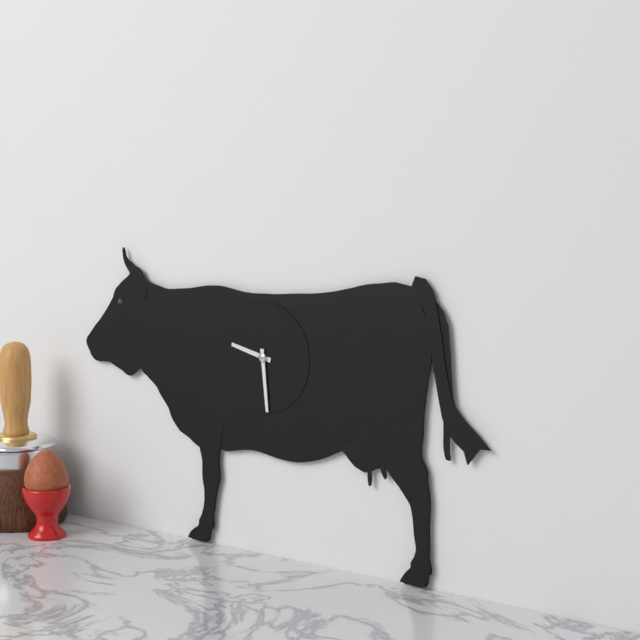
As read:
**9:29**
